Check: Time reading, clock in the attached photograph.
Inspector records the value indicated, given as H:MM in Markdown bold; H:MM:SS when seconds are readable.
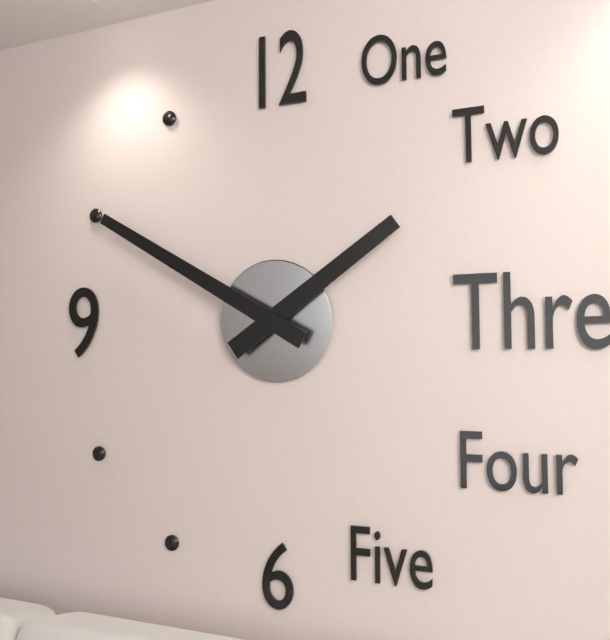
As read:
**1:50**
